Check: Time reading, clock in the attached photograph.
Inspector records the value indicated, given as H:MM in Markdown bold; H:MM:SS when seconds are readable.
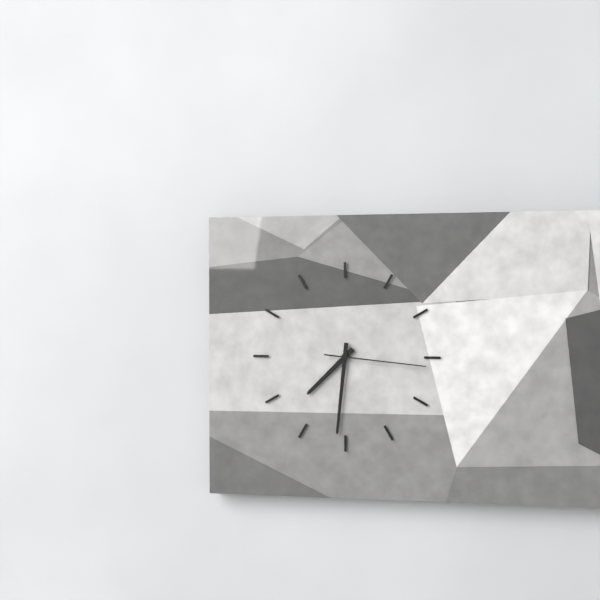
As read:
**7:31:16**
